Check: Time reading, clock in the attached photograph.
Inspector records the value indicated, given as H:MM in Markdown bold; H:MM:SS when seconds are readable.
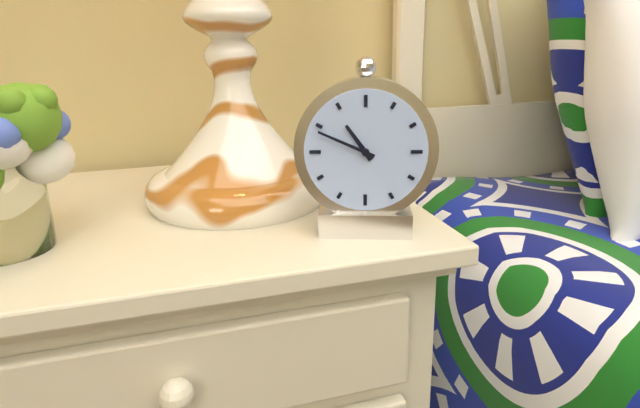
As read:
**10:49**
